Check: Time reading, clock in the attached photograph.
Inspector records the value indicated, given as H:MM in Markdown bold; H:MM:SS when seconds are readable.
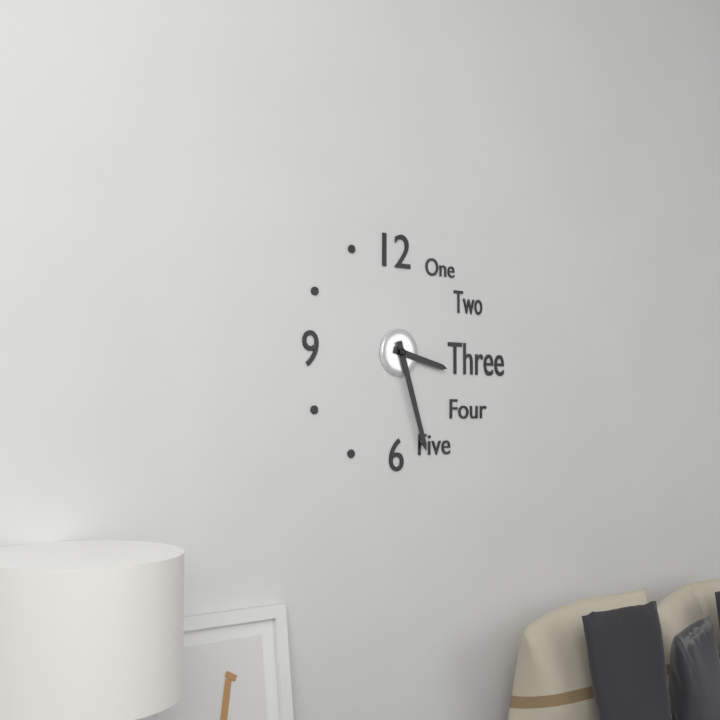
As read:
**3:27**
